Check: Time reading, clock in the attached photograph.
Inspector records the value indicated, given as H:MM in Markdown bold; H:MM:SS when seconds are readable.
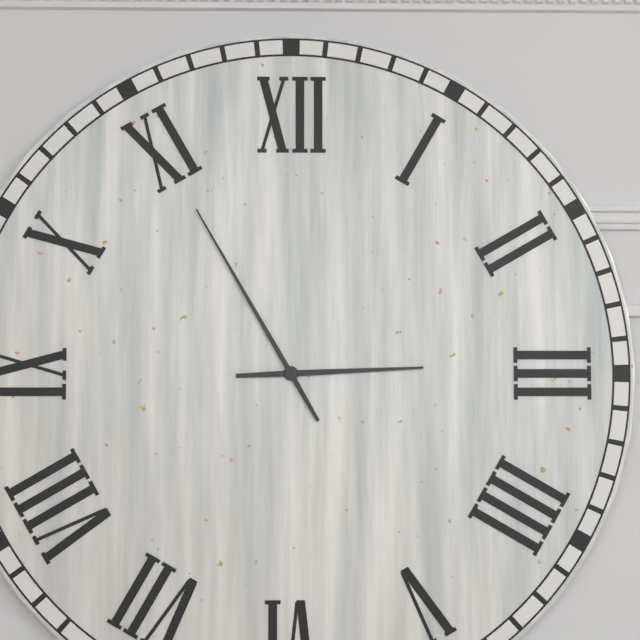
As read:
**2:55**
